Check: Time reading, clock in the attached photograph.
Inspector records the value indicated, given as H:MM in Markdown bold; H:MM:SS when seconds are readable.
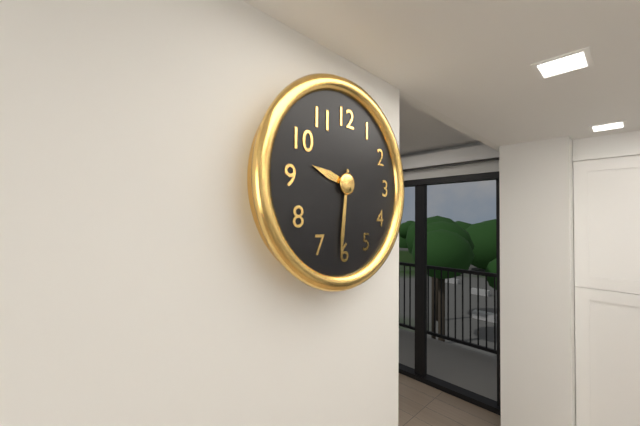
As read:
**9:31**
